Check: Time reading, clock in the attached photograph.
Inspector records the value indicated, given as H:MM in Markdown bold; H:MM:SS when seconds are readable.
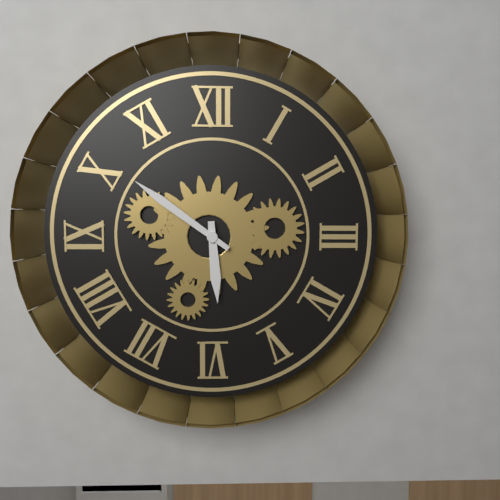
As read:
**5:51**
